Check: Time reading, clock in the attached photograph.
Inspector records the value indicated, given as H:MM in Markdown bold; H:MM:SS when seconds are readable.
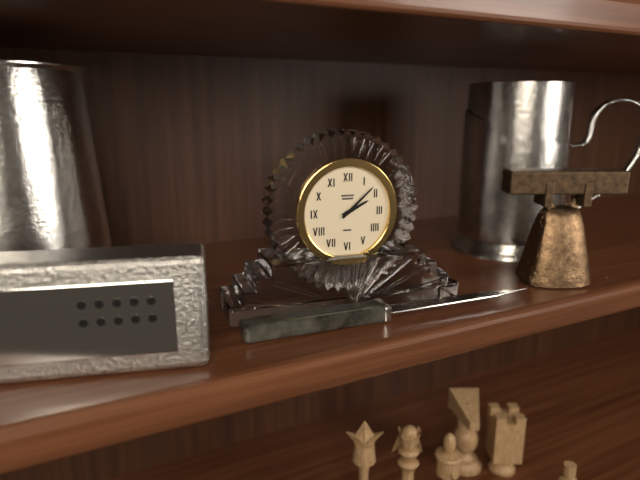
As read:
**2:08**
